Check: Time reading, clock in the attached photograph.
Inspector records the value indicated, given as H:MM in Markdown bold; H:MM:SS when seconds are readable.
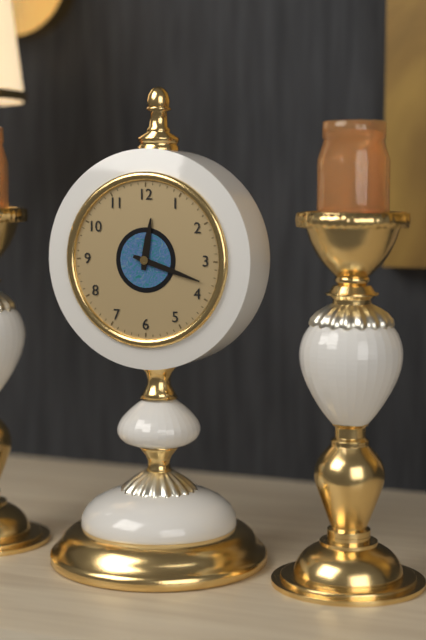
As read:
**12:18**
